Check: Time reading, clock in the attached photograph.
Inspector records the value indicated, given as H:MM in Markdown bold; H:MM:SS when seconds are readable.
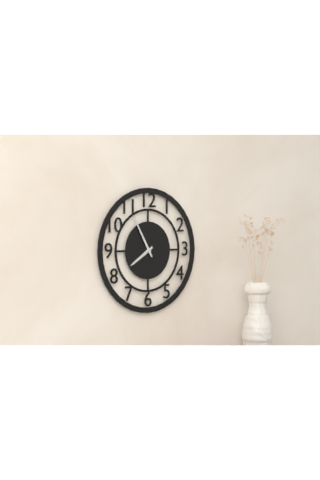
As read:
**7:55**
